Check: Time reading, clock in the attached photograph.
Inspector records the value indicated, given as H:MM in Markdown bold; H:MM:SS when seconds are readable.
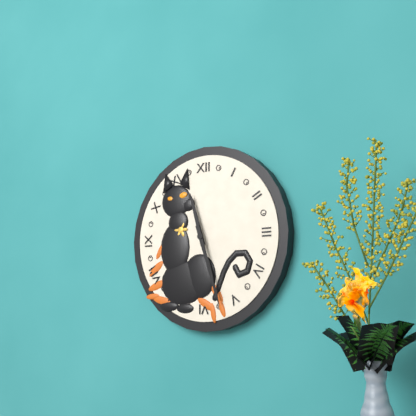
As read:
**11:27**
